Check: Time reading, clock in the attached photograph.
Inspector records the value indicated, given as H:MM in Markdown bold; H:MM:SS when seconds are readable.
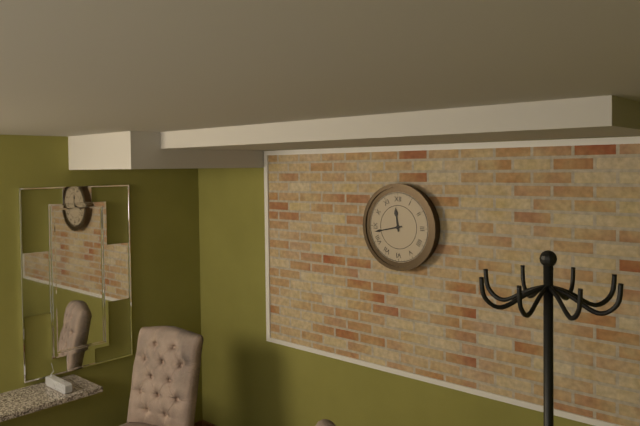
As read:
**11:43**
